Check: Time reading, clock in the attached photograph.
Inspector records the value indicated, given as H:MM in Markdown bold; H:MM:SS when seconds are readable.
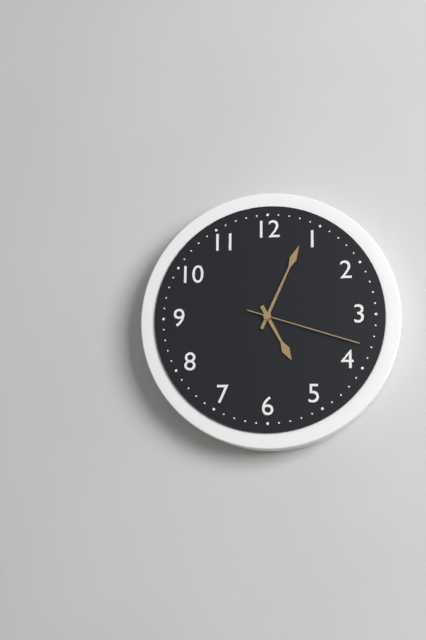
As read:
**5:04:18**
